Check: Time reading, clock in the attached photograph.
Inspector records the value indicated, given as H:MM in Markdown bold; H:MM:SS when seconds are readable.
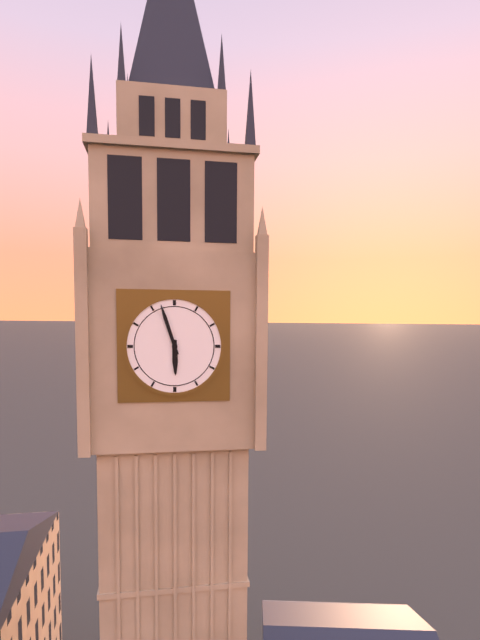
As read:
**5:57**
